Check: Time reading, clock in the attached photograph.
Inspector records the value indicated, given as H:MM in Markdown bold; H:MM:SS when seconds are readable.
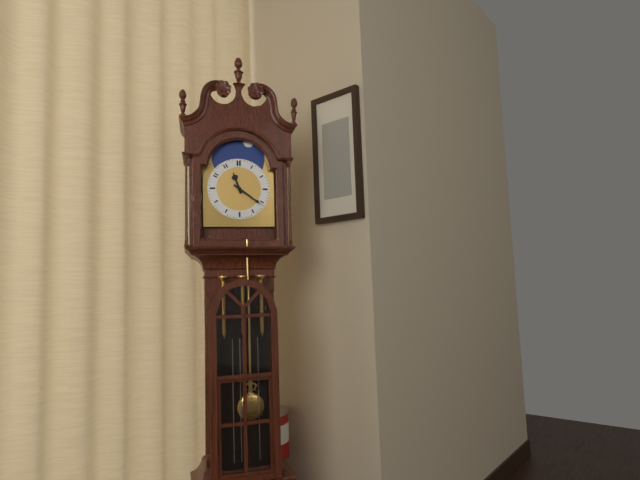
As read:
**11:21**
